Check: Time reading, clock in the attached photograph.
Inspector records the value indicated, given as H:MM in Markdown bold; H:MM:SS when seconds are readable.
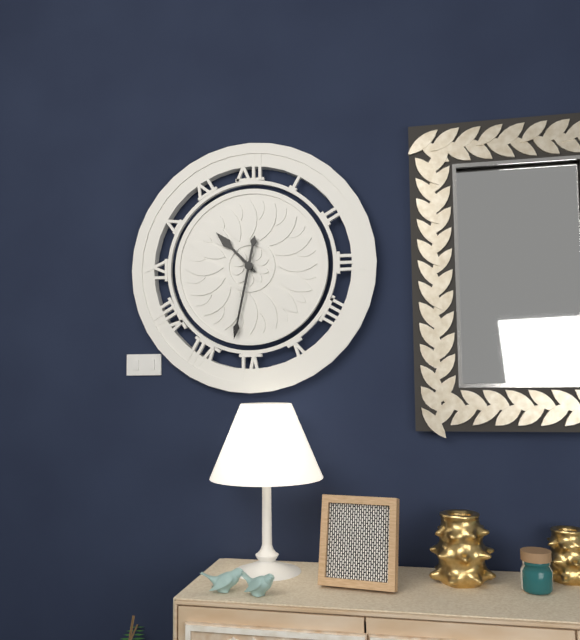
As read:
**10:32**
